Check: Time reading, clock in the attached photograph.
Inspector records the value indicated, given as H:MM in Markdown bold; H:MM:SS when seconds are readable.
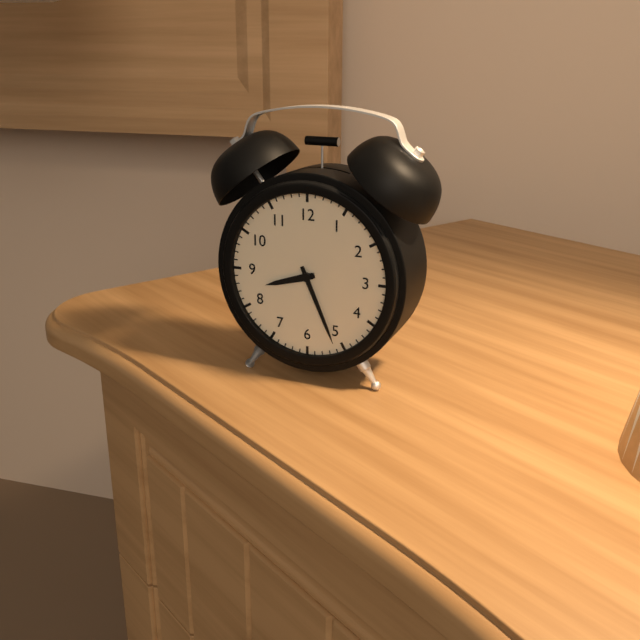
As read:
**8:26**
